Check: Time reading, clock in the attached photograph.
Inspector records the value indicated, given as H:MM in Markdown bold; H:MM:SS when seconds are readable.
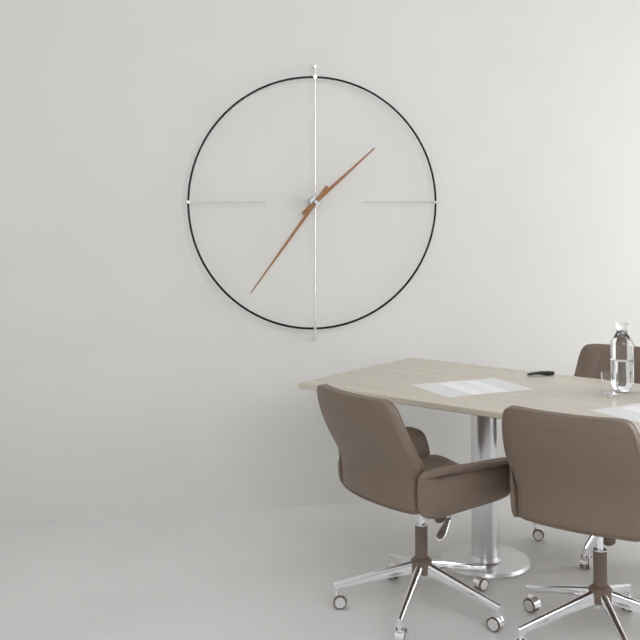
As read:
**1:36**
